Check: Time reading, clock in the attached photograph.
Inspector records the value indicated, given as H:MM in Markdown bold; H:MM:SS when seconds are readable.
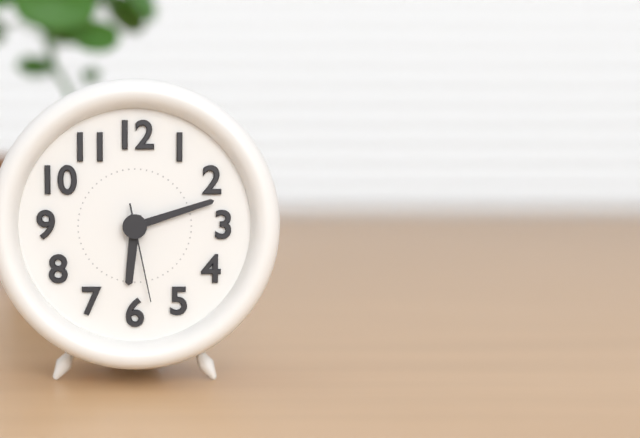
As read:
**6:12:28**
